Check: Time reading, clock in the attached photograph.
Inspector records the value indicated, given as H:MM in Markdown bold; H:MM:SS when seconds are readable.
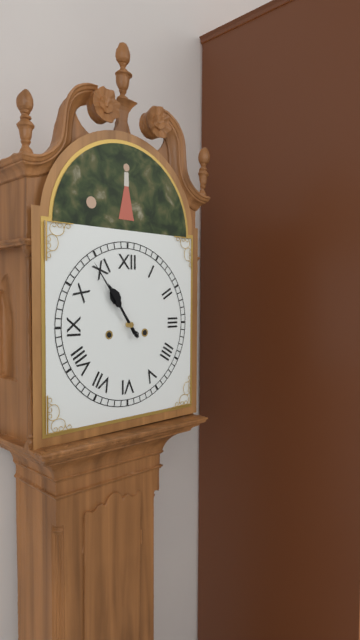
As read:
**10:54**
